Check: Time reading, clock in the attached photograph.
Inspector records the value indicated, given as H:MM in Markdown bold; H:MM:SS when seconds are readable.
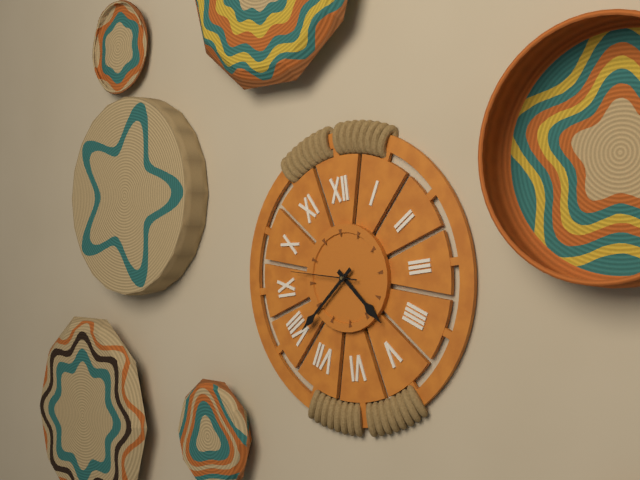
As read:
**4:39:47**
